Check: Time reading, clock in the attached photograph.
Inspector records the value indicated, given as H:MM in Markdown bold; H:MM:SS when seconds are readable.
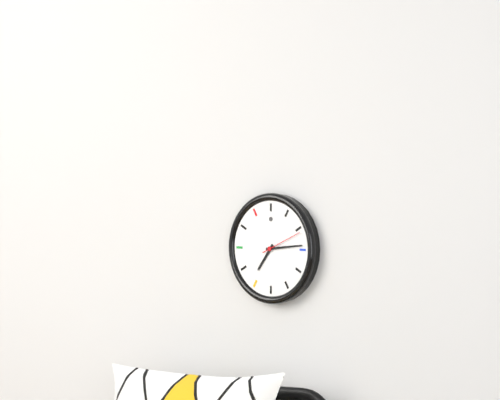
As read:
**7:14**
